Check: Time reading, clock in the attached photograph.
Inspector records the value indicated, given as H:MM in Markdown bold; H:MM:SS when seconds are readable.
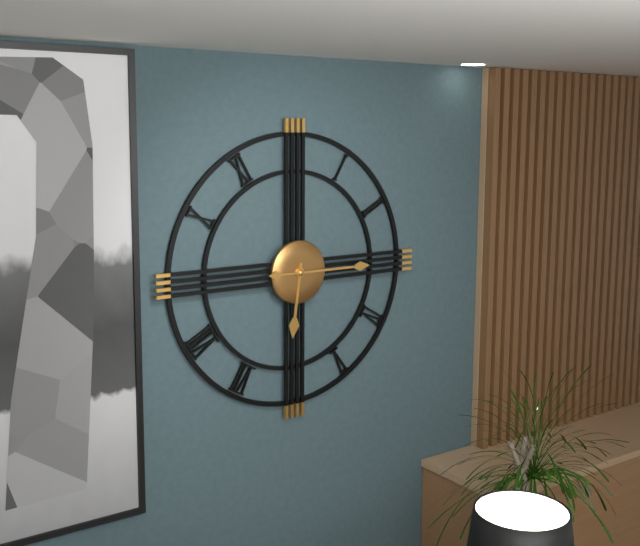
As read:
**6:15**
